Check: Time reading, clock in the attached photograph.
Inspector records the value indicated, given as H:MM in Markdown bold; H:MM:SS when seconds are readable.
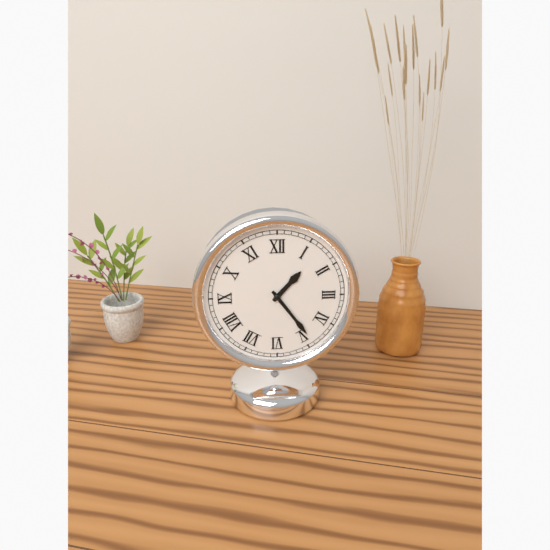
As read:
**1:24**
